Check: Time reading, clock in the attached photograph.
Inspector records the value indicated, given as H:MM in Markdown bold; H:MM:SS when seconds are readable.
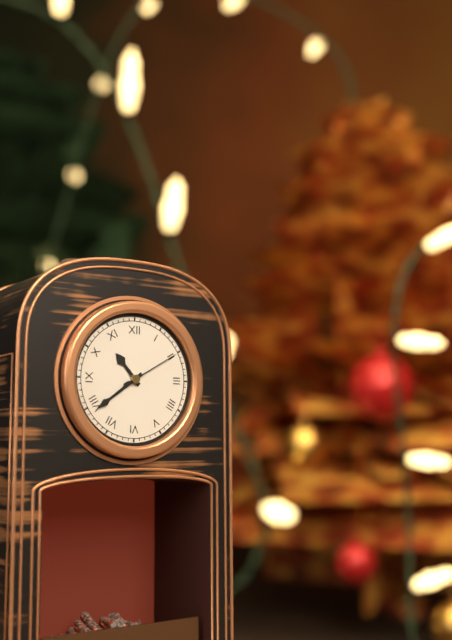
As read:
**10:39:10**
